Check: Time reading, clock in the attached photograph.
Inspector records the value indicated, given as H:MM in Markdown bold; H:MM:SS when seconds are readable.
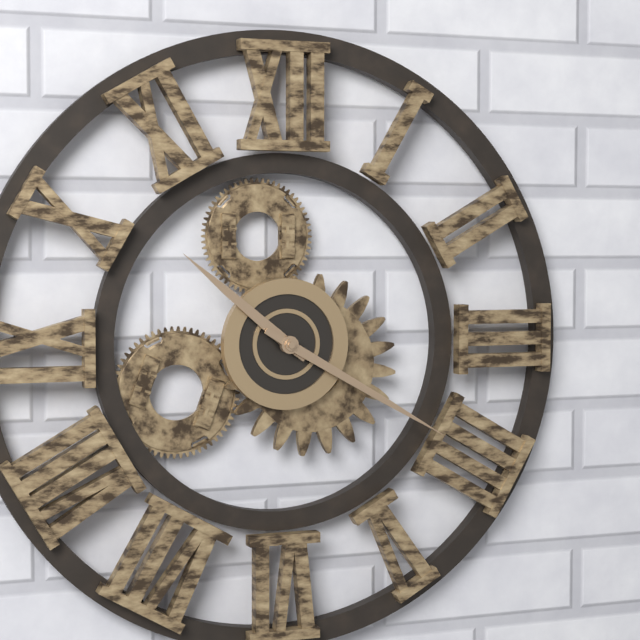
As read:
**10:20**
